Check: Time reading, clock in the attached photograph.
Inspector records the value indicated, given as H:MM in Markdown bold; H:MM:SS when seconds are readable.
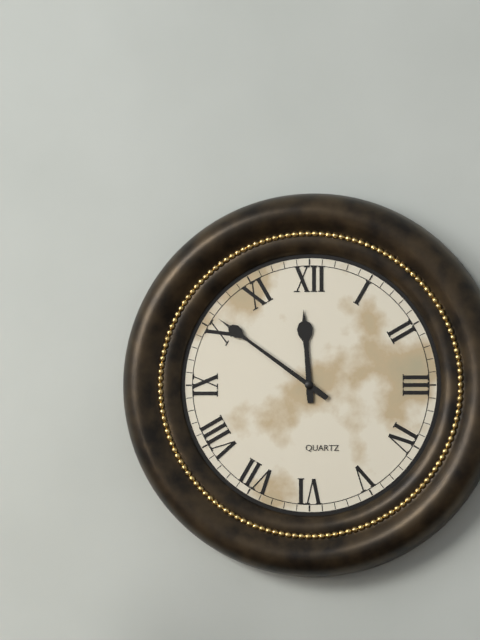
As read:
**11:51**
